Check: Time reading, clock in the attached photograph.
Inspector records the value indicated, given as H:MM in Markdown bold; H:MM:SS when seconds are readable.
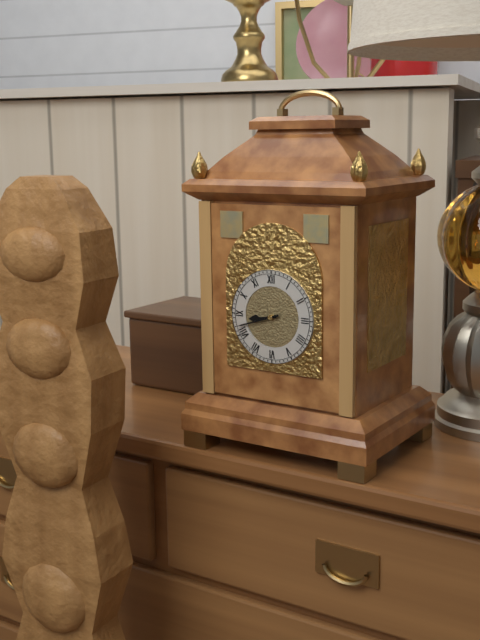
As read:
**8:42**
